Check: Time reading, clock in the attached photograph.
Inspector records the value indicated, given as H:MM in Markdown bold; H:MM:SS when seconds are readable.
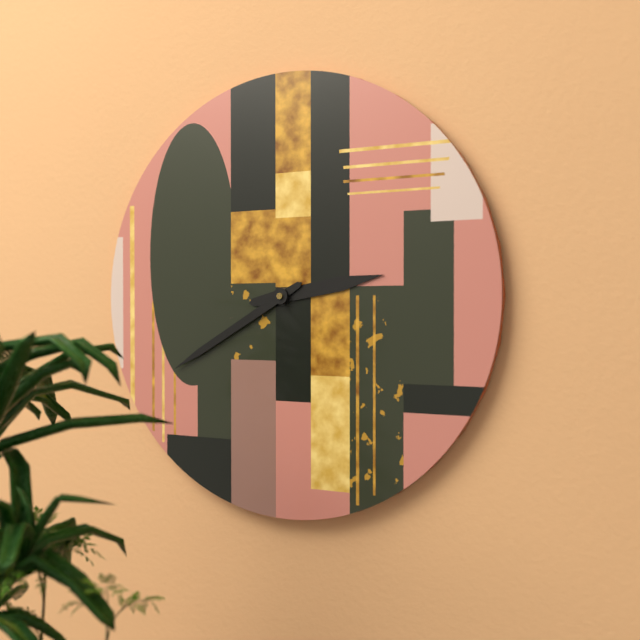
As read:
**2:40**
